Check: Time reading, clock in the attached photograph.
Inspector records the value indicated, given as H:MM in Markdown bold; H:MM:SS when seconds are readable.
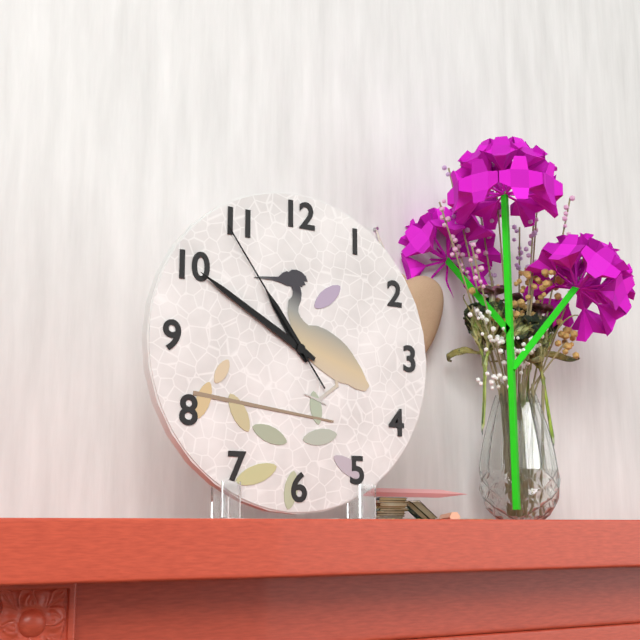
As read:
**10:50:54**
